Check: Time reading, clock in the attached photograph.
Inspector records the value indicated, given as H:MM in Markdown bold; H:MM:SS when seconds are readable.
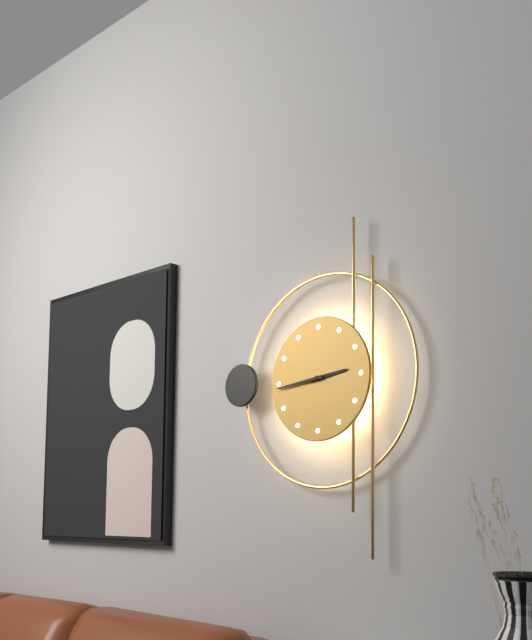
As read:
**2:44**
